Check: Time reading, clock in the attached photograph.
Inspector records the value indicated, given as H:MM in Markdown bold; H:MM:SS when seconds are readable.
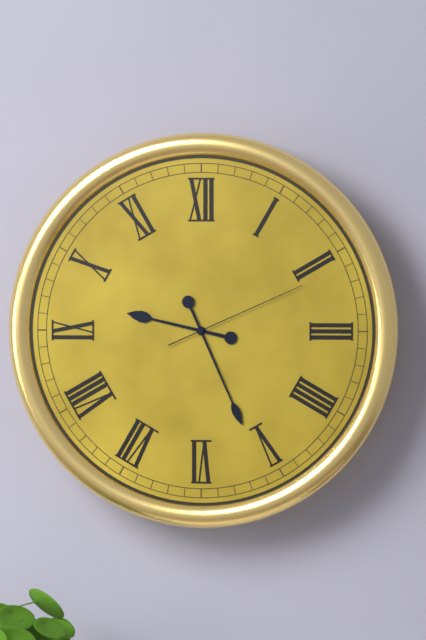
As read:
**9:26:11**
